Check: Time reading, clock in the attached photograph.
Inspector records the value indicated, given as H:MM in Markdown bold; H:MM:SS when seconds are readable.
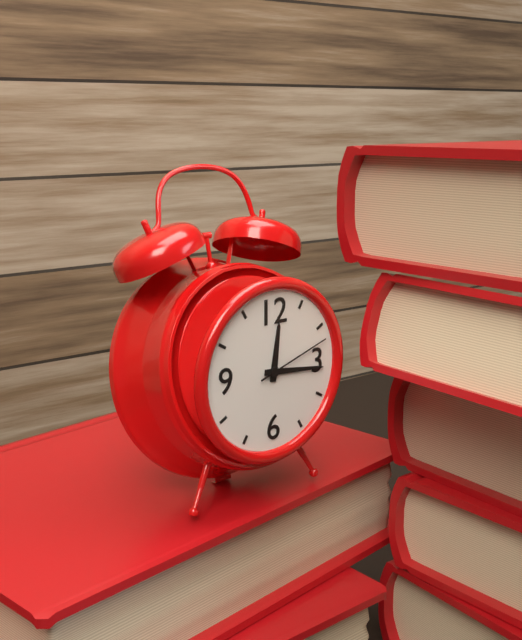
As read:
**12:16:12**
